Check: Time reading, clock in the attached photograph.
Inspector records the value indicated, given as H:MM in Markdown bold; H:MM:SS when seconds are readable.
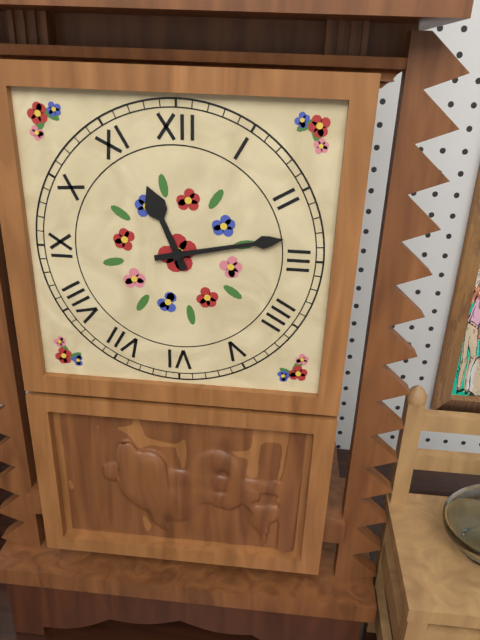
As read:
**11:13**
